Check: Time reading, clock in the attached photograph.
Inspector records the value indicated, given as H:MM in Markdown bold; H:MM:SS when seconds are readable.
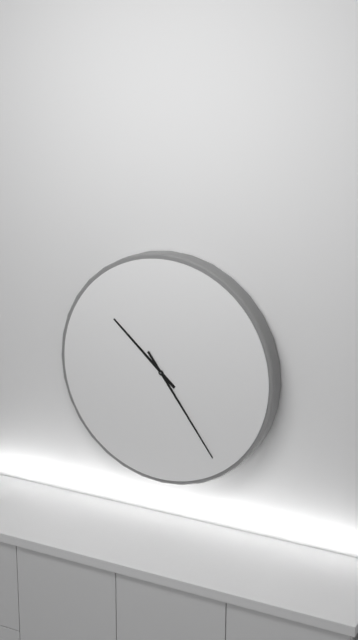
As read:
**10:24**
